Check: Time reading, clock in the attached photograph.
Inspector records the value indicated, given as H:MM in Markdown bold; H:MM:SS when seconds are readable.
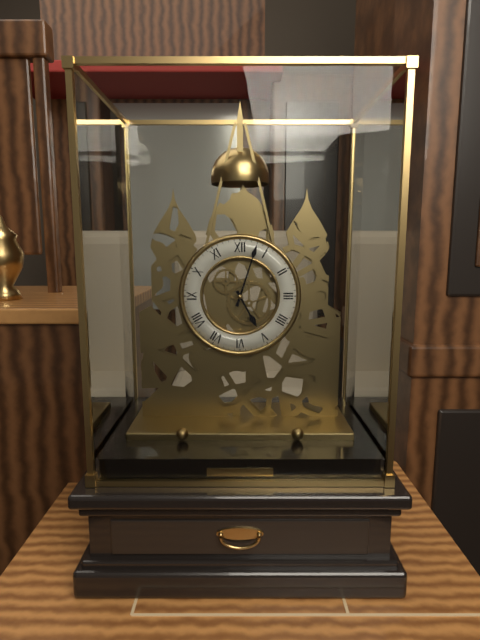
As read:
**5:03**
